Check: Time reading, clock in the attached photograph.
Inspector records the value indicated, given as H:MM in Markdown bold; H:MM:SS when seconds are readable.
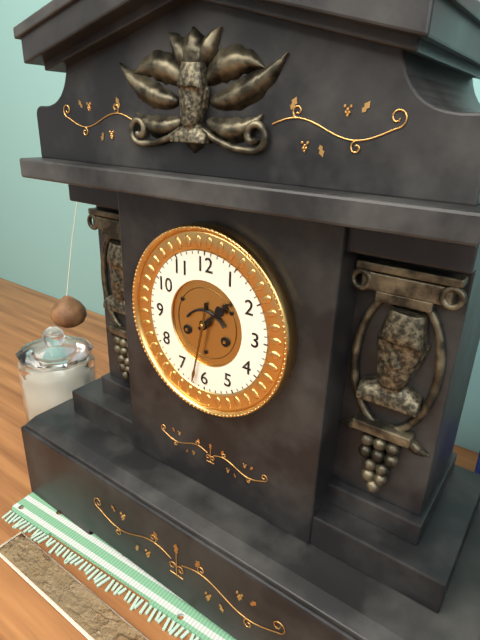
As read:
**1:32**
